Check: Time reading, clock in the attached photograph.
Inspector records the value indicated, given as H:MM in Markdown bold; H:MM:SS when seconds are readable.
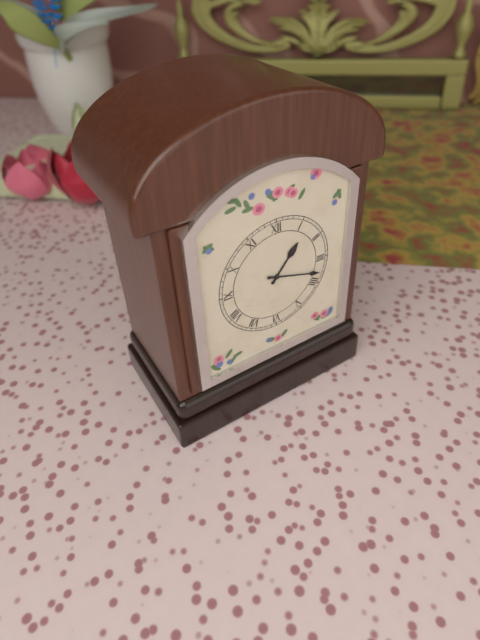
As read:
**1:18**
